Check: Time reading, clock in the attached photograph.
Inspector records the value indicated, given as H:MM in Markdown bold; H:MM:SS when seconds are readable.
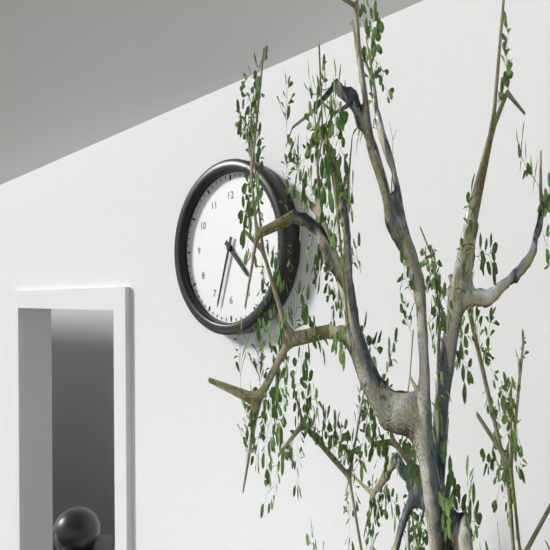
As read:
**4:33**
